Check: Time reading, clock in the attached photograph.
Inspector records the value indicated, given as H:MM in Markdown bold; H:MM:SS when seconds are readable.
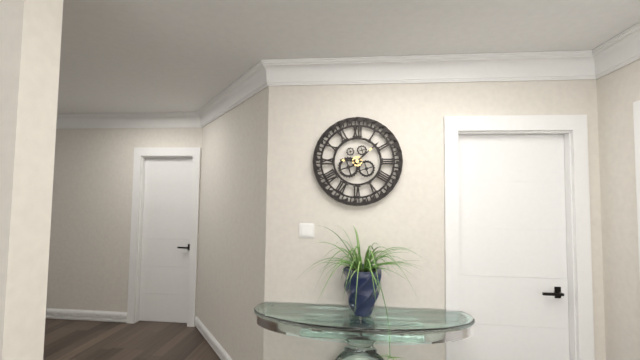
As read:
**9:08**
